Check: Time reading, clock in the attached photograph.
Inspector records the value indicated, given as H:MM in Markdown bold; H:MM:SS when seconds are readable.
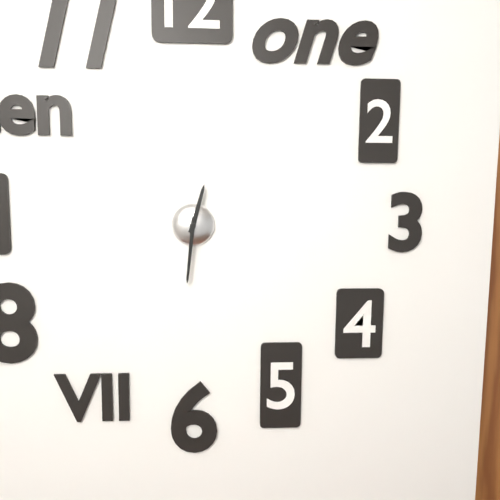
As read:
**12:31**
